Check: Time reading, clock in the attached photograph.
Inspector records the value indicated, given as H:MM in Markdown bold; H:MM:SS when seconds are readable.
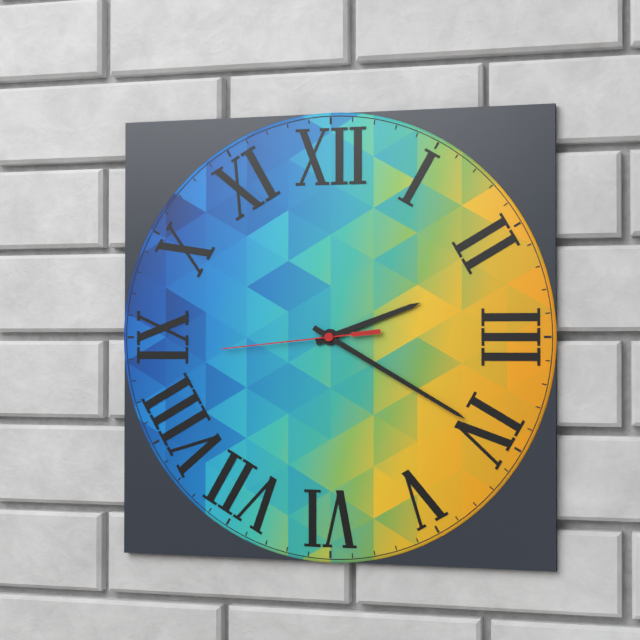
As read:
**2:20:44**
